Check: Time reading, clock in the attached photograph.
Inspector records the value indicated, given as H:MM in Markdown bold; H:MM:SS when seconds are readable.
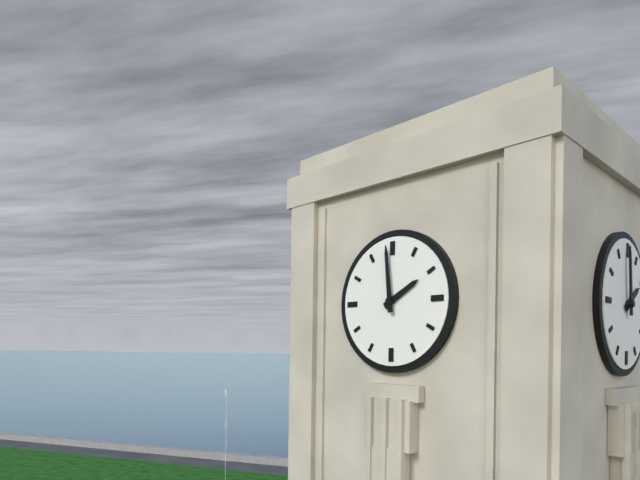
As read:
**1:59**
